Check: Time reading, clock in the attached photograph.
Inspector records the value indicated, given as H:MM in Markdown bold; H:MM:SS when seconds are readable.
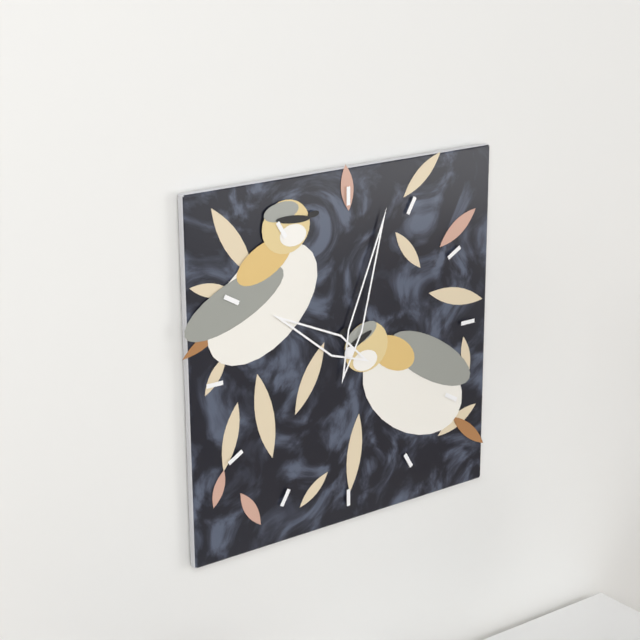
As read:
**10:03**
